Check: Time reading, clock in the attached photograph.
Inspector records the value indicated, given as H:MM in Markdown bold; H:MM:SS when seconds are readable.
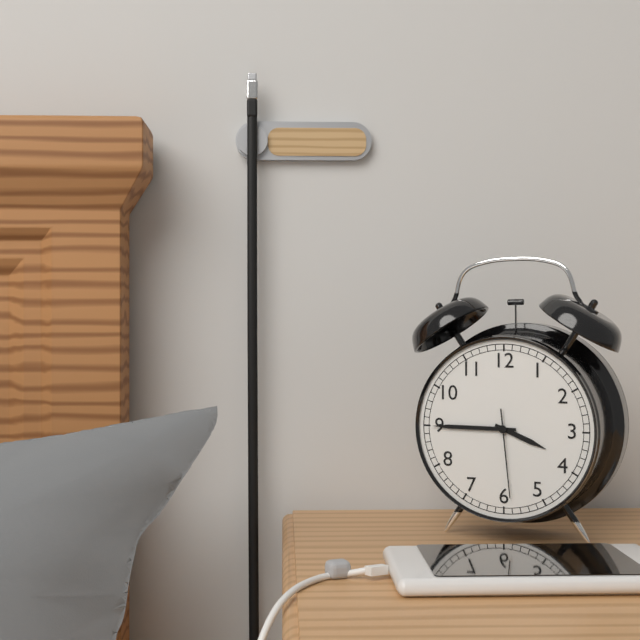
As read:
**3:45:29**
